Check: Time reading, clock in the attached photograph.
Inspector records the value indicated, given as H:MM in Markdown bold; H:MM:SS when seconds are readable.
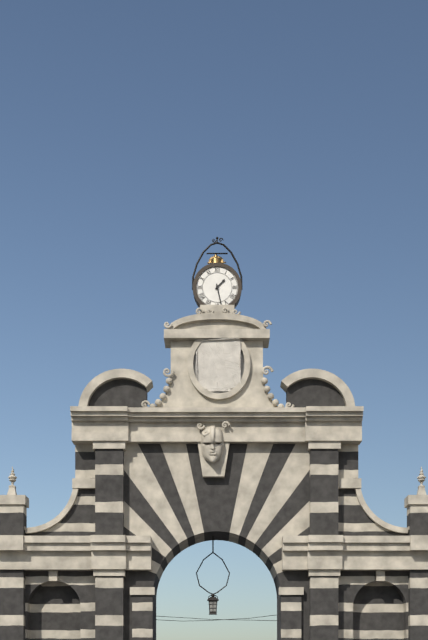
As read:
**1:28**
